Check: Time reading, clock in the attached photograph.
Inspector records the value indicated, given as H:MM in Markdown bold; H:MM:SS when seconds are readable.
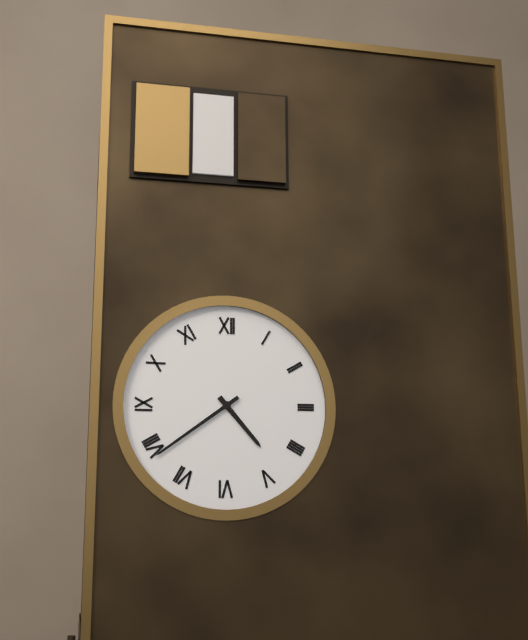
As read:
**4:39**
